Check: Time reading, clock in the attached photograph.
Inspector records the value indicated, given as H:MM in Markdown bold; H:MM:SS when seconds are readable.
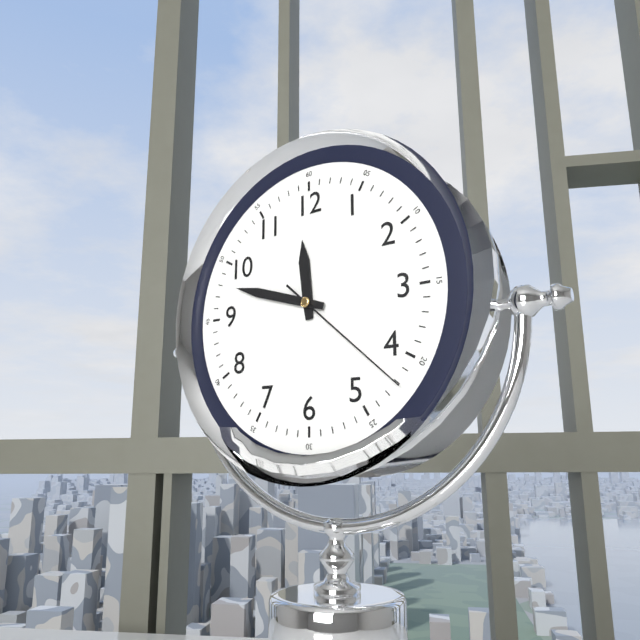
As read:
**11:48:22**
